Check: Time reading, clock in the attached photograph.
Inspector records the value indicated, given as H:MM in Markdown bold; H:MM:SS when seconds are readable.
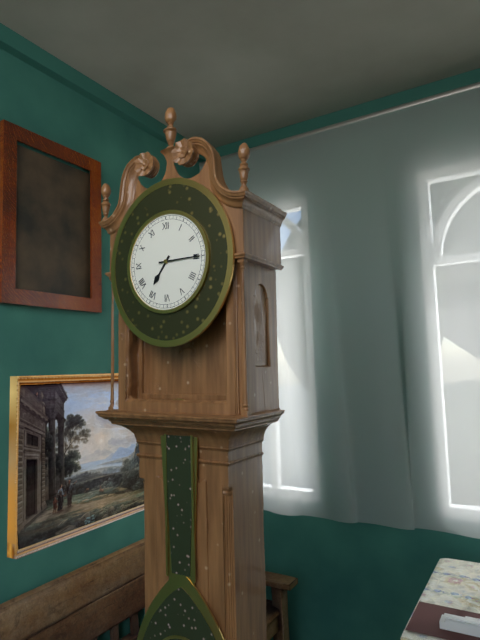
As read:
**7:15**
